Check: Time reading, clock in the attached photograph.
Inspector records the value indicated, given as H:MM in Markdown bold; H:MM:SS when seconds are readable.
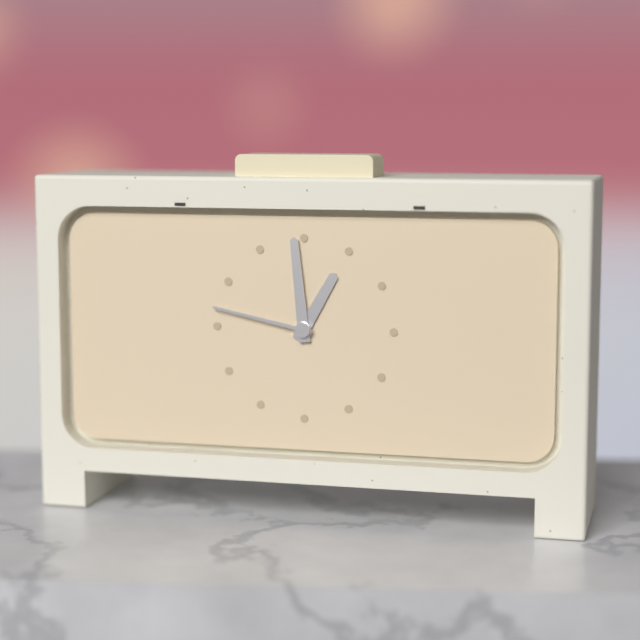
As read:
**12:59:47**
